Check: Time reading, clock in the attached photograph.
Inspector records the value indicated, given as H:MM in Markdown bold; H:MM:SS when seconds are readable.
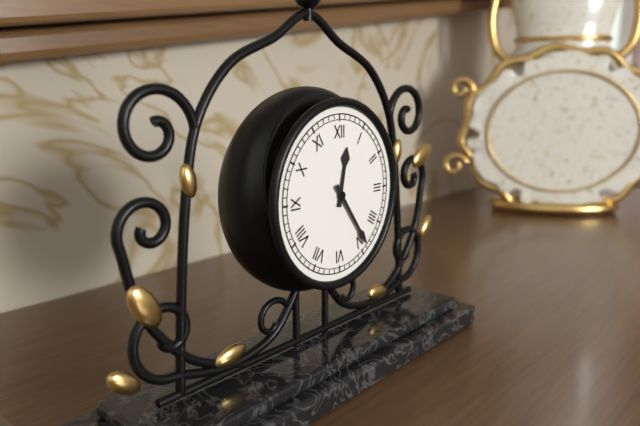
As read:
**12:24**
